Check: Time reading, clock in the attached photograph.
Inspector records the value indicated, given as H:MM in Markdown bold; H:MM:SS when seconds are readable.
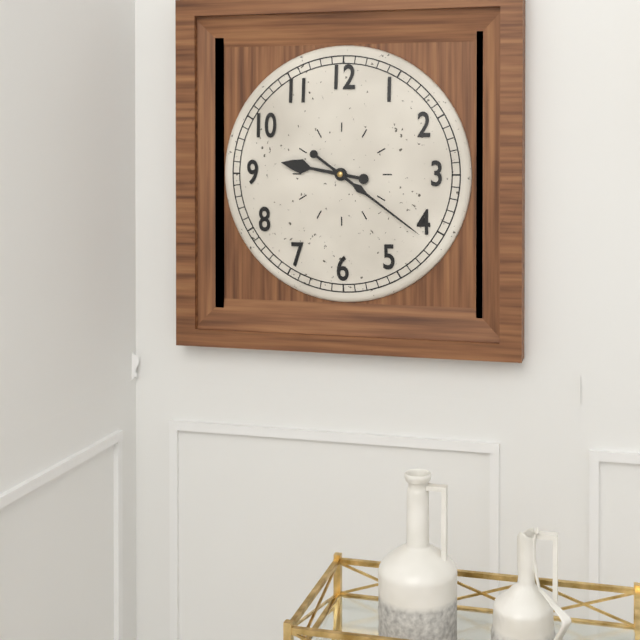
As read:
**9:21**
